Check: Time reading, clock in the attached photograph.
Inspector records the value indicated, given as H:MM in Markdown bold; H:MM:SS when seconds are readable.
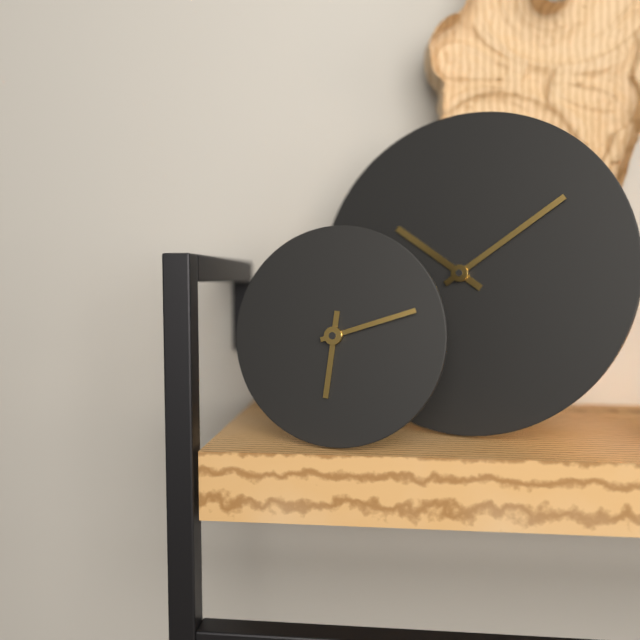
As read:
**6:12**
